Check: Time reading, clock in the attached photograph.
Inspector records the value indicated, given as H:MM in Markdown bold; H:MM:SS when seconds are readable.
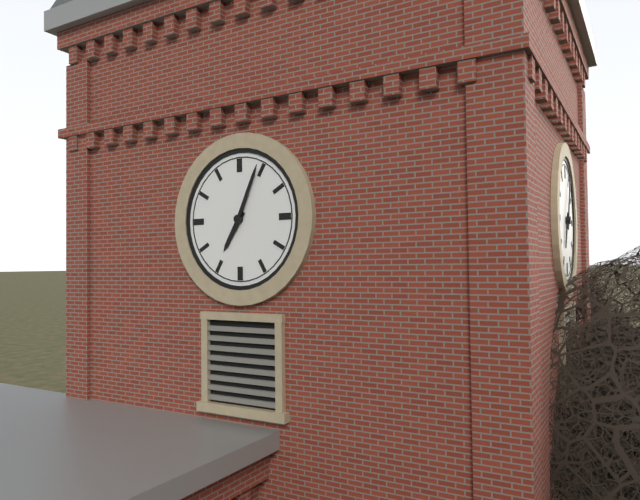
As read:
**7:04**
